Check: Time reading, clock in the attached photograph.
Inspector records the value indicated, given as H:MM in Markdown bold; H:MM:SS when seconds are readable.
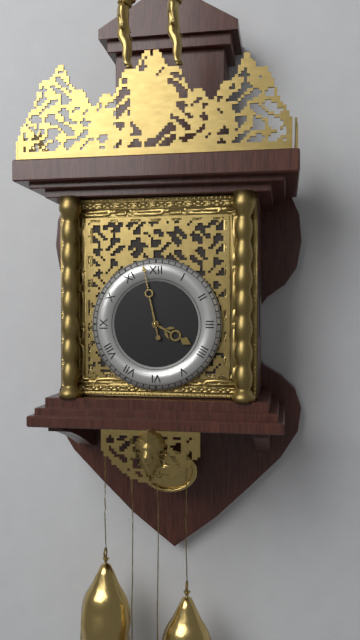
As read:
**3:58**
